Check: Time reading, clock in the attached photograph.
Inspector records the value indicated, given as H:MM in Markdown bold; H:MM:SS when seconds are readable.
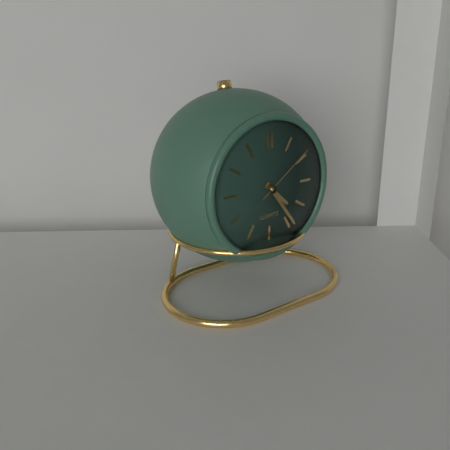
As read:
**4:24:09**
